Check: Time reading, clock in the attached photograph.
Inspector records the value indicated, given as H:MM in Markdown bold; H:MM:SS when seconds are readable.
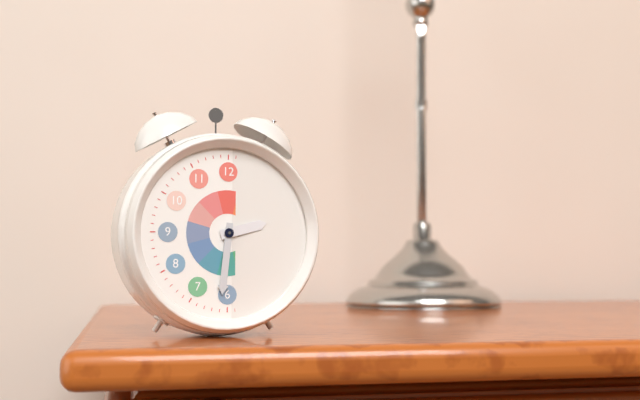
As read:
**2:31**
